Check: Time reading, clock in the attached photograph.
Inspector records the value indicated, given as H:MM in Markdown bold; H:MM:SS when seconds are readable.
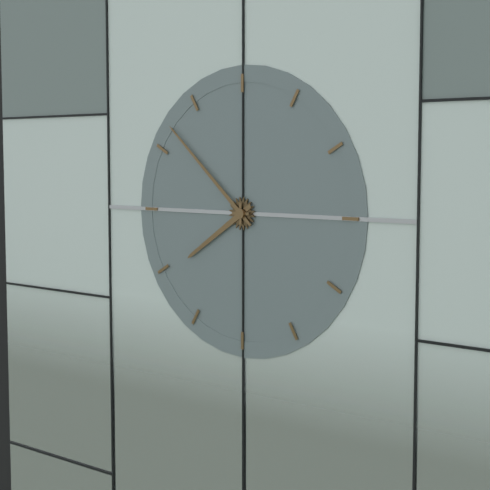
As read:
**7:52**
